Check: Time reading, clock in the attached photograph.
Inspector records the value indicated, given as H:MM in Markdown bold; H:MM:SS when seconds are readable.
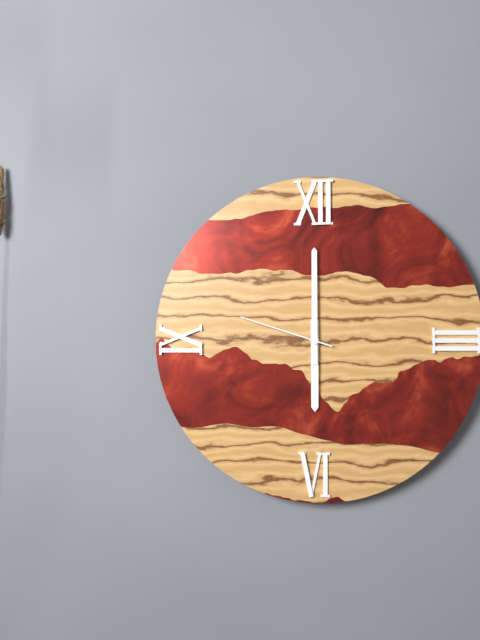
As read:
**6:00:48**
